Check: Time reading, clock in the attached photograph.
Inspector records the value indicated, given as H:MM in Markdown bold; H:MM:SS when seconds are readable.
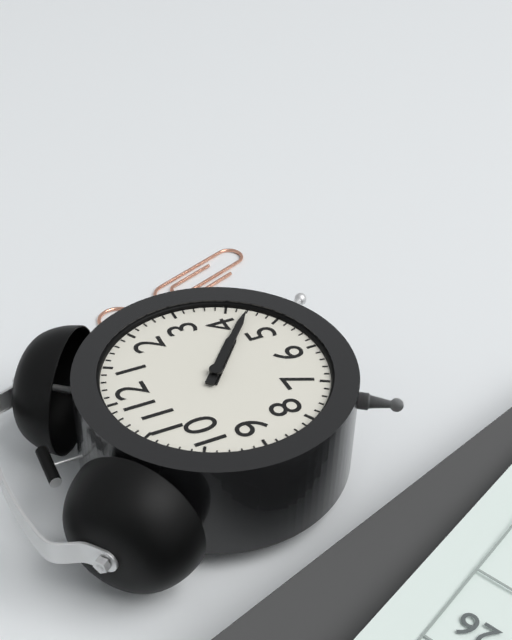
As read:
**4:22**
